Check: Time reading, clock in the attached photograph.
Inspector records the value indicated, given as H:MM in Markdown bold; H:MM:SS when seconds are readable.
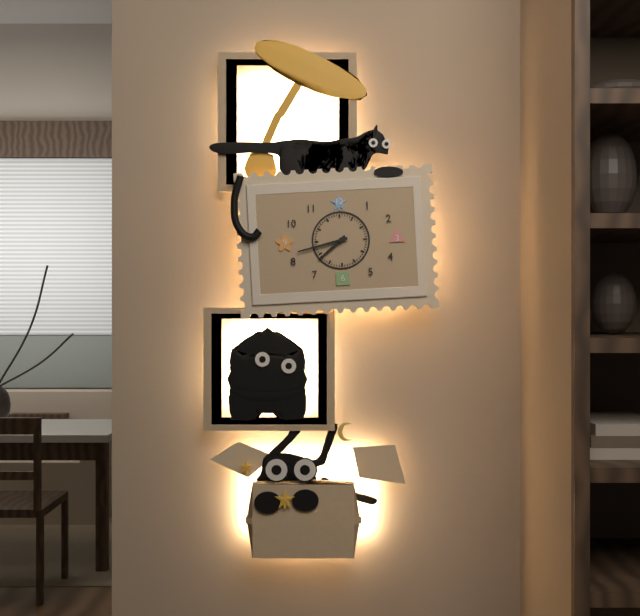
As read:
**7:43**
